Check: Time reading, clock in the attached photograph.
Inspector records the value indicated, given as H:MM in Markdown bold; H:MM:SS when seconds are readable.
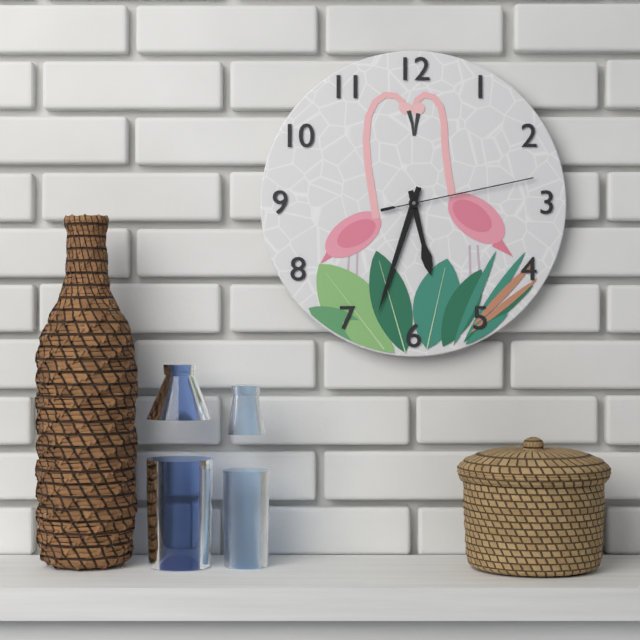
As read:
**5:33:13**
